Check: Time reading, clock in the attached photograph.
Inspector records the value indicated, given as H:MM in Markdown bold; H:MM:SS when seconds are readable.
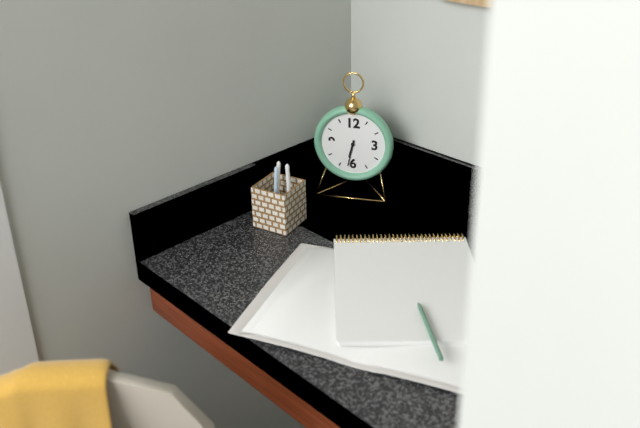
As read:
**6:32**
